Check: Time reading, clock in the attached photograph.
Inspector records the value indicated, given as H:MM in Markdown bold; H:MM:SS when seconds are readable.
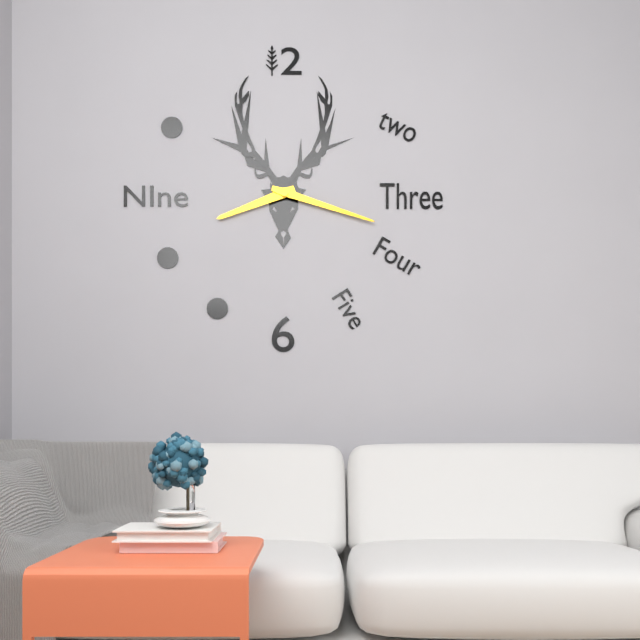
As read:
**8:18**
